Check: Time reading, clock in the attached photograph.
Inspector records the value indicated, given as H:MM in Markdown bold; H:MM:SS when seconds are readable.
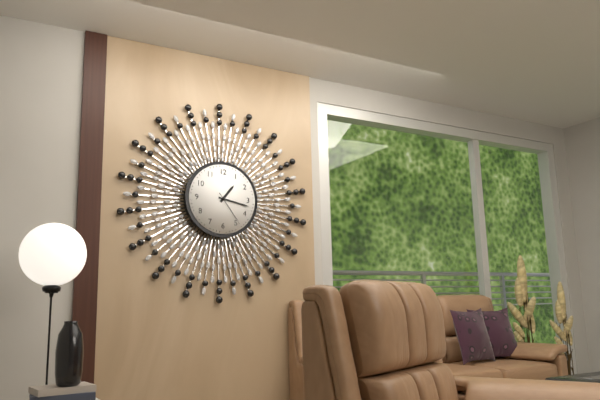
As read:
**1:17**
